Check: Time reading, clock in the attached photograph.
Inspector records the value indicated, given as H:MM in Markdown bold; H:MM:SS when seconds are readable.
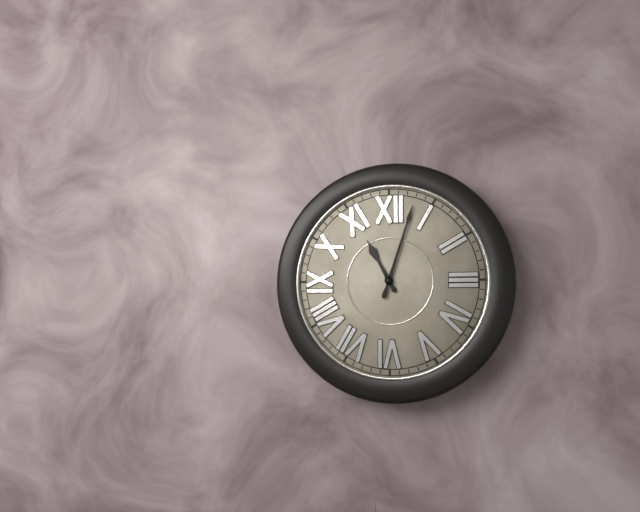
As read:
**11:03**
